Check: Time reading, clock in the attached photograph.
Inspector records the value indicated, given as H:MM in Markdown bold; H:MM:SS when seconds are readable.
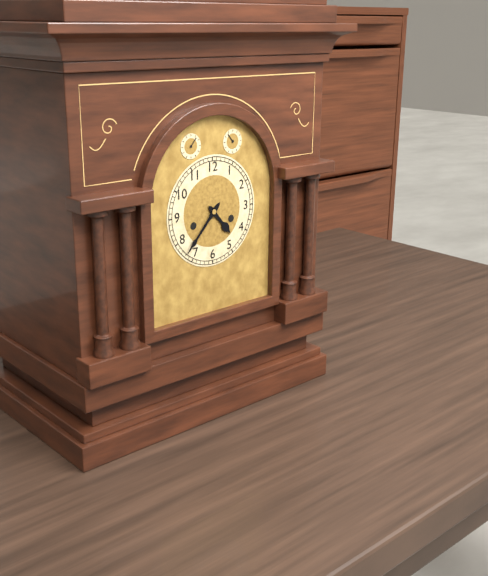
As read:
**4:37**
